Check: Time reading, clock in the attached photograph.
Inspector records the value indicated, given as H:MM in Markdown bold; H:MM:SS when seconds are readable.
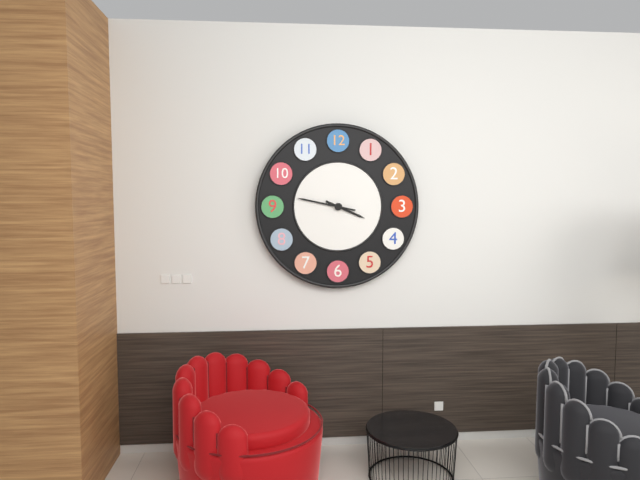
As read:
**3:47**
